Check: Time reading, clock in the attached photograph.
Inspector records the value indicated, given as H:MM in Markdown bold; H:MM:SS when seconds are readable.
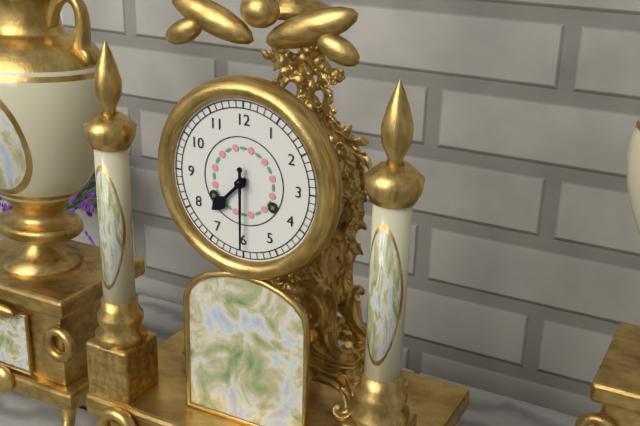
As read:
**7:30**
